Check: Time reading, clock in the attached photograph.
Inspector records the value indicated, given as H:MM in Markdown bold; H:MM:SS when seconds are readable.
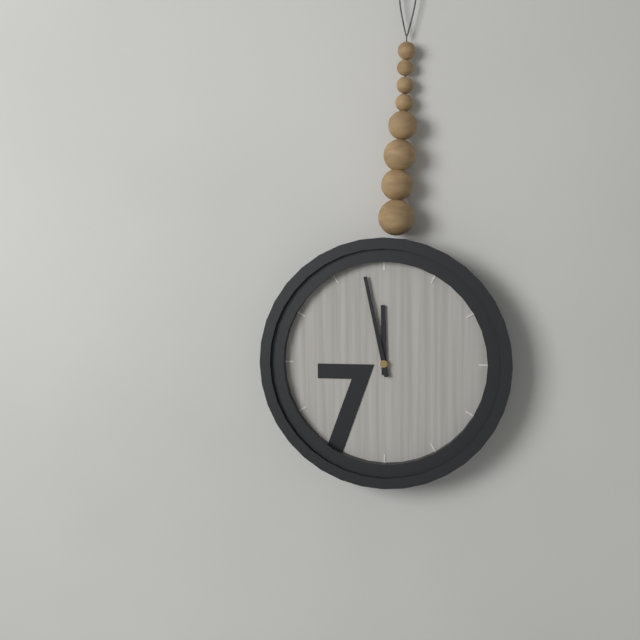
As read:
**11:58**
